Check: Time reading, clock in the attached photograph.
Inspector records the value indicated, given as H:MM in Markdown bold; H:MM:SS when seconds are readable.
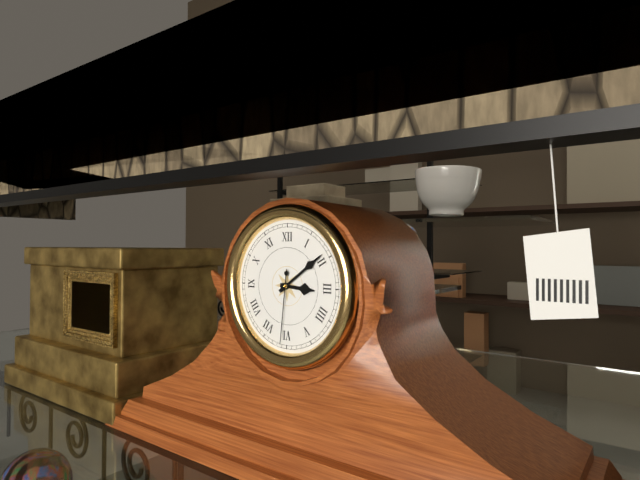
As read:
**3:09:31**
